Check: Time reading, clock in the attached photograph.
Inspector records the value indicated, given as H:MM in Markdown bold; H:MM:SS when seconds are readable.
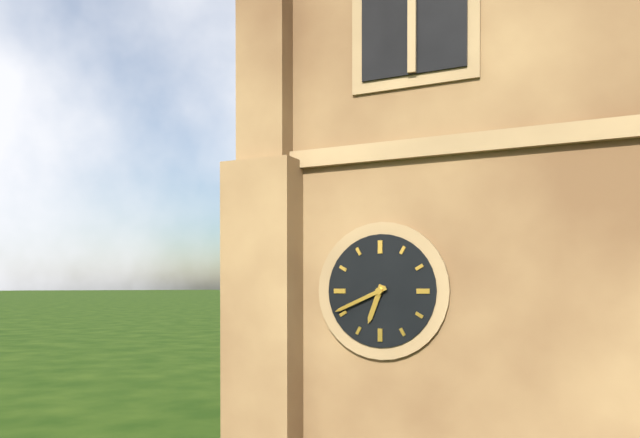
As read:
**6:41**
